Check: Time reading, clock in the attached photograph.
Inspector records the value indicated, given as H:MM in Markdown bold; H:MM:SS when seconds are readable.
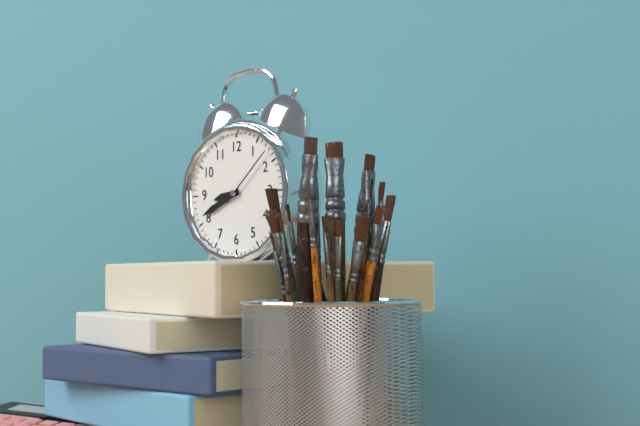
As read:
**8:41:08**
